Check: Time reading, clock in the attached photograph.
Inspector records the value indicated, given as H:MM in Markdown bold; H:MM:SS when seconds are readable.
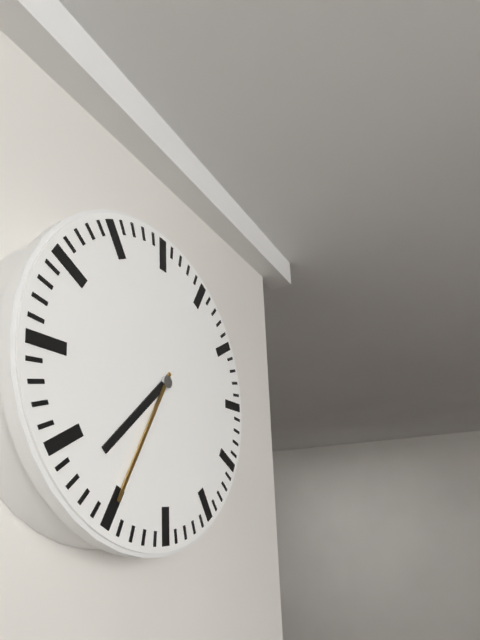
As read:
**7:35**
